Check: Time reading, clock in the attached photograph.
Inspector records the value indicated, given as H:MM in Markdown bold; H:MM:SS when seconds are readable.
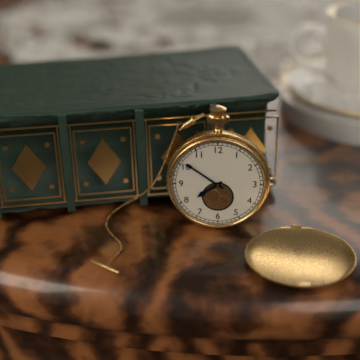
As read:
**7:51**
